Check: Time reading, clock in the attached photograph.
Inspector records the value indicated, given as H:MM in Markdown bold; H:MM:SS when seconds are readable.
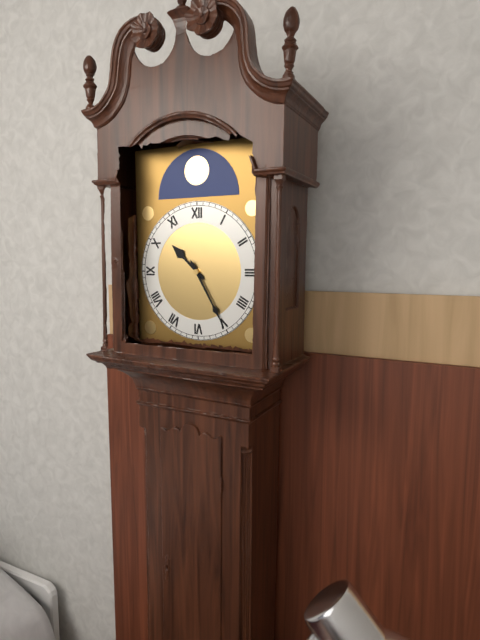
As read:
**10:25**
